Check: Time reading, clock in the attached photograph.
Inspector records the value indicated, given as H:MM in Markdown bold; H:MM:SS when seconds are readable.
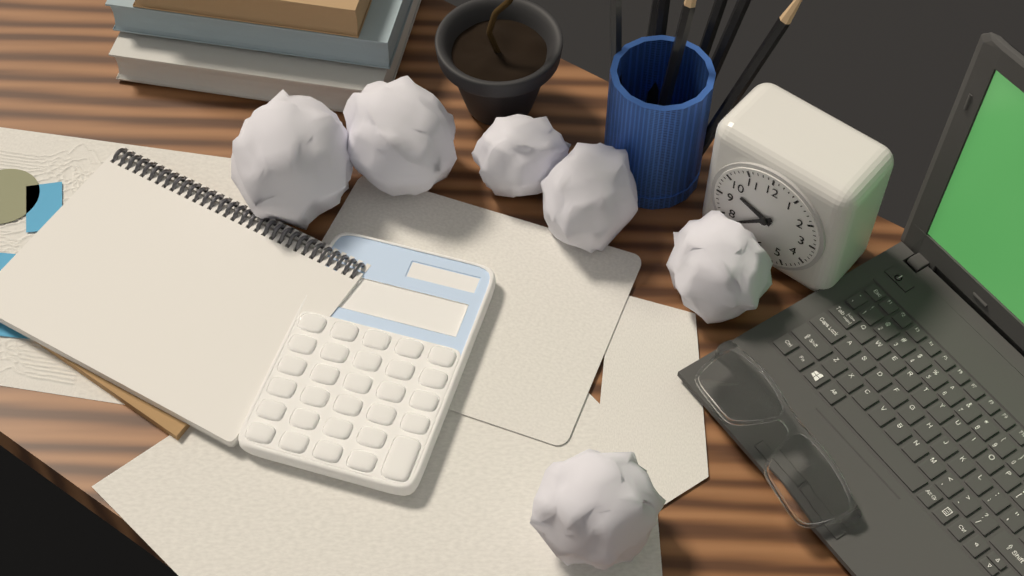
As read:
**9:38**
